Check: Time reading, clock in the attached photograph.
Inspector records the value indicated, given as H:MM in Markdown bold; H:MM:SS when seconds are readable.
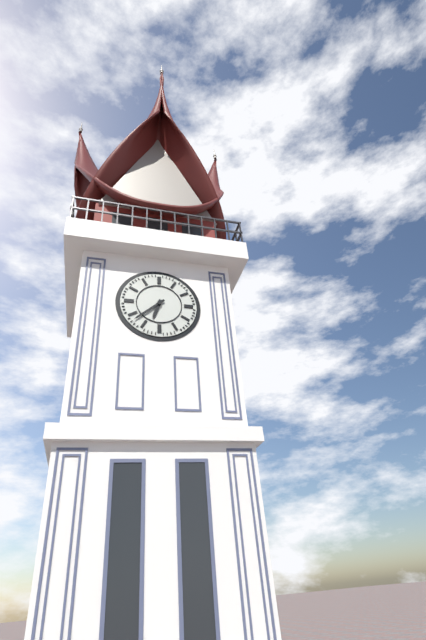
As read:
**6:38**
